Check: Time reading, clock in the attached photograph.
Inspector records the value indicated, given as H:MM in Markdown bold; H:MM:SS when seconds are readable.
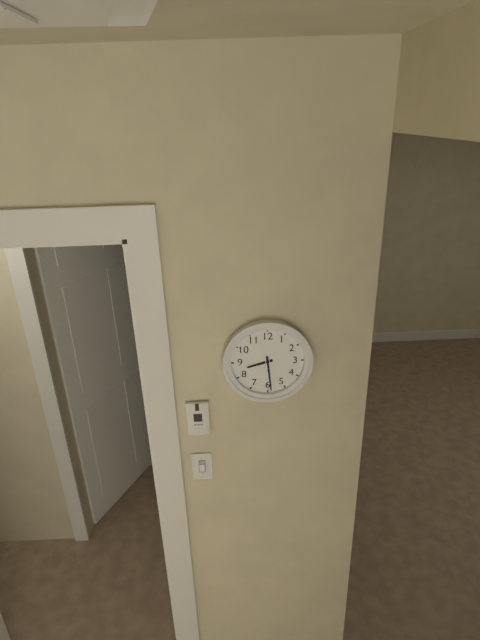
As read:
**8:29**
